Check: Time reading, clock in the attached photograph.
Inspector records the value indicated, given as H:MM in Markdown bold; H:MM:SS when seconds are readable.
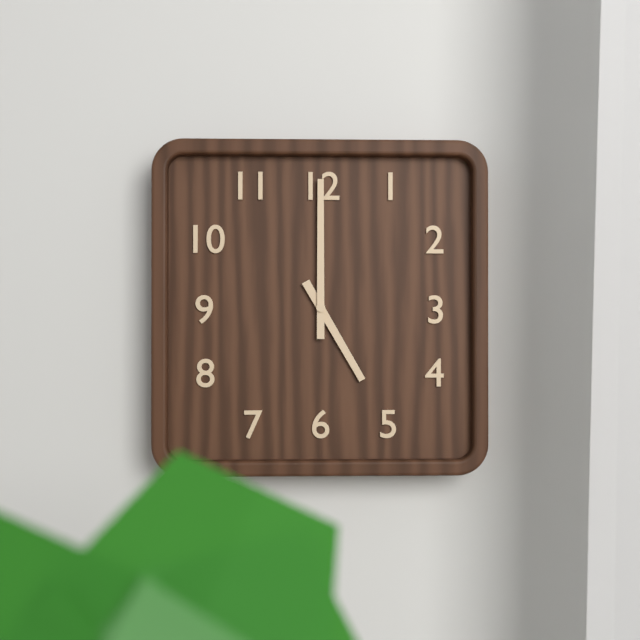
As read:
**5:00**
